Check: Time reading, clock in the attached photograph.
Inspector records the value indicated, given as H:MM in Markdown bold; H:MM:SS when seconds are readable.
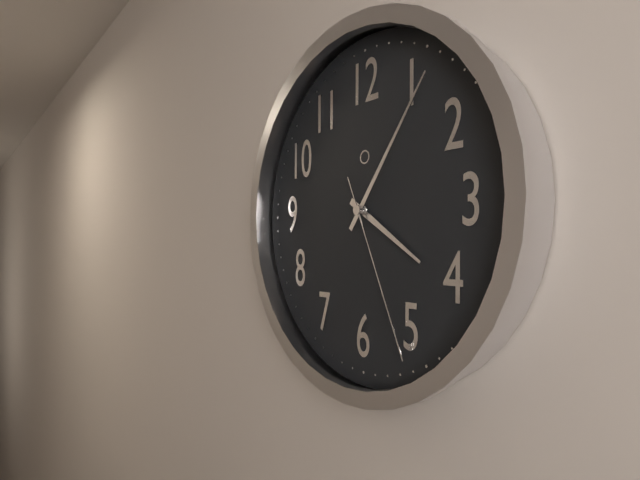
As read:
**4:06:26**
